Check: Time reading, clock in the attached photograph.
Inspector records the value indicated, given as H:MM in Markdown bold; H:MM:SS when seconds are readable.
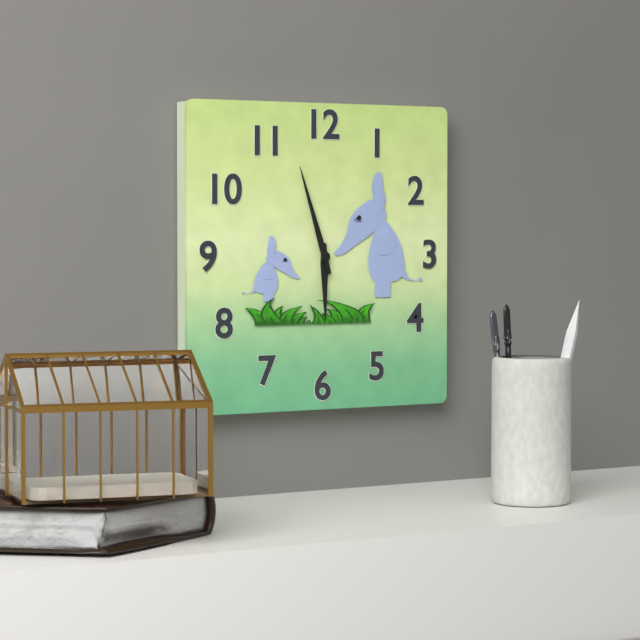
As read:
**5:57**
